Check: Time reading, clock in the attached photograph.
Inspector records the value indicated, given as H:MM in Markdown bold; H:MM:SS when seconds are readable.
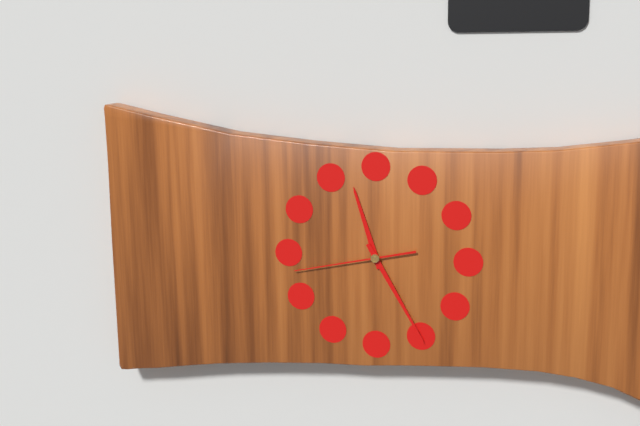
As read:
**11:25:43**
